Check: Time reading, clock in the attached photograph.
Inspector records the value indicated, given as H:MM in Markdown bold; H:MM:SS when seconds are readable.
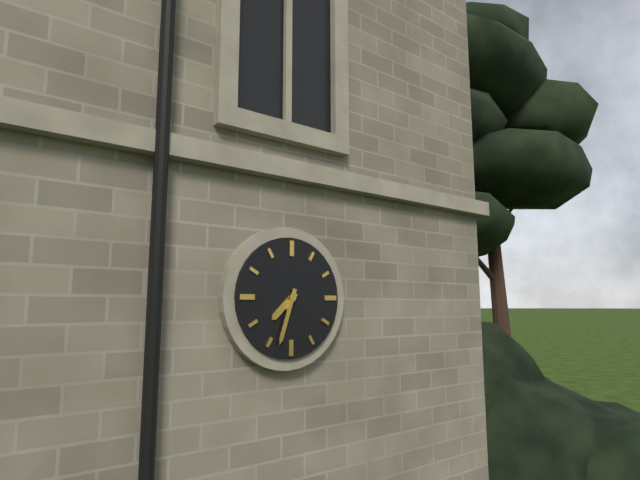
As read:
**7:33**
